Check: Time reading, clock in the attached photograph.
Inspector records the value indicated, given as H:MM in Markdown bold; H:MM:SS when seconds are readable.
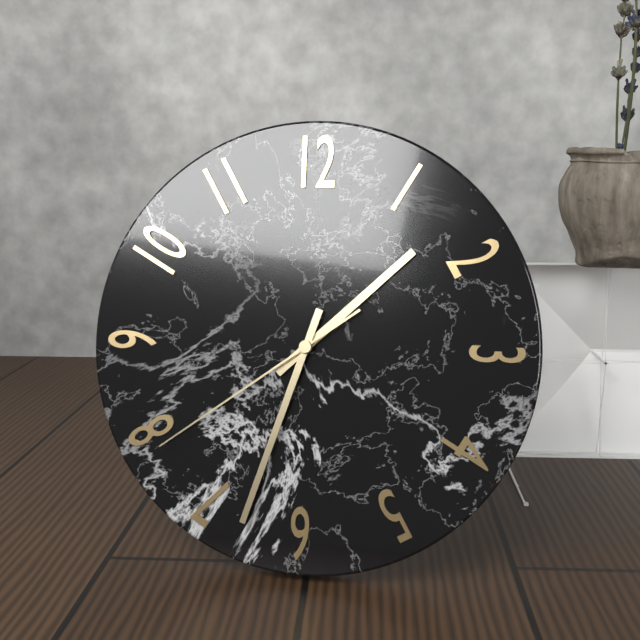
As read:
**1:33:39**
